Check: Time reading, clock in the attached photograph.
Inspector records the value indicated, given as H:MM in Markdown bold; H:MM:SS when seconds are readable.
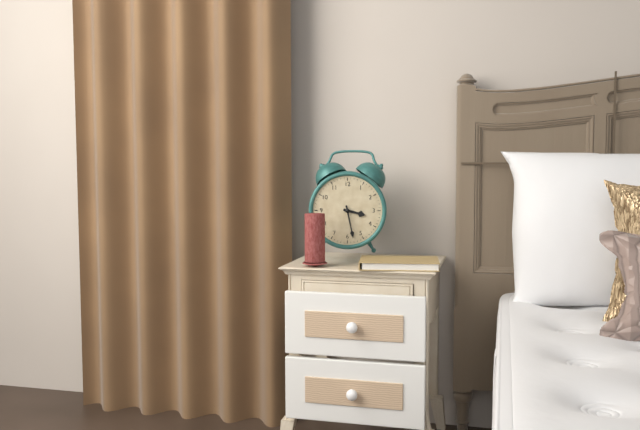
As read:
**3:28**
